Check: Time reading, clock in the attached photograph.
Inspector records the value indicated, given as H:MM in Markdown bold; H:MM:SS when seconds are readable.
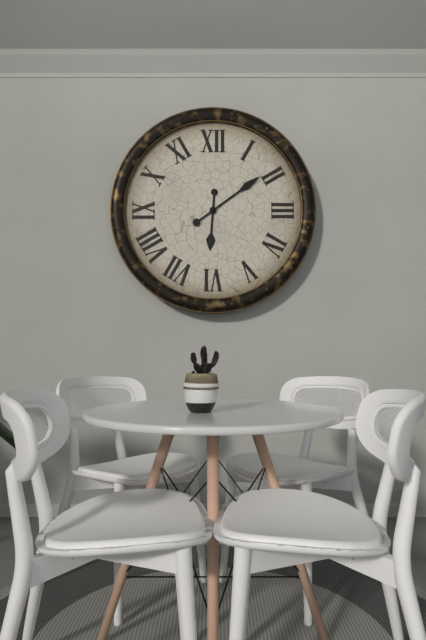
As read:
**6:09**
